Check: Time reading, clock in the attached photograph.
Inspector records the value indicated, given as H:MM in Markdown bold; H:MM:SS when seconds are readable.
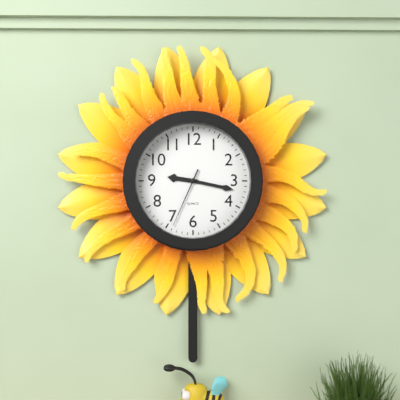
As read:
**9:17:34**
